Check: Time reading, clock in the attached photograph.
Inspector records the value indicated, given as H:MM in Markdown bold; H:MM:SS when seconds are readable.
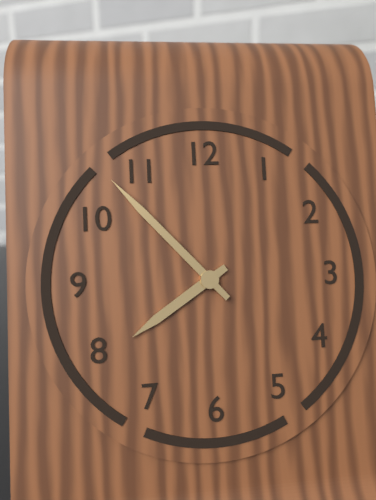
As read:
**7:53**
